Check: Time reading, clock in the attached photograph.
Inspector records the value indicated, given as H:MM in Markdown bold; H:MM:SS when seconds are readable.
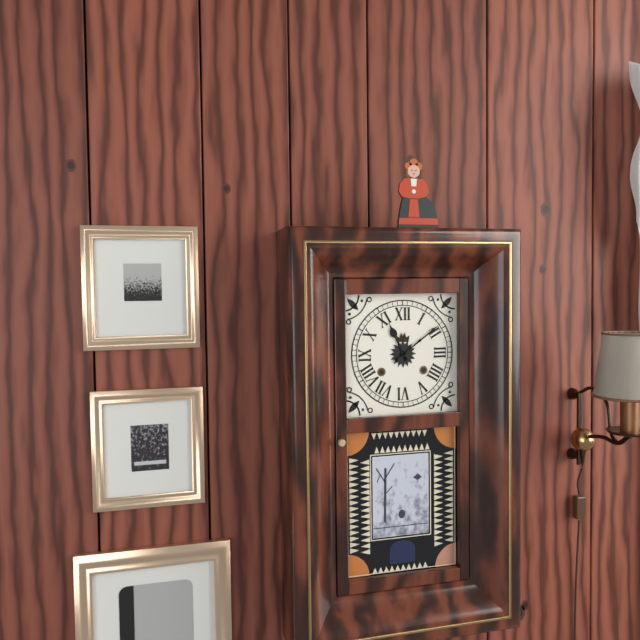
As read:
**11:09**
